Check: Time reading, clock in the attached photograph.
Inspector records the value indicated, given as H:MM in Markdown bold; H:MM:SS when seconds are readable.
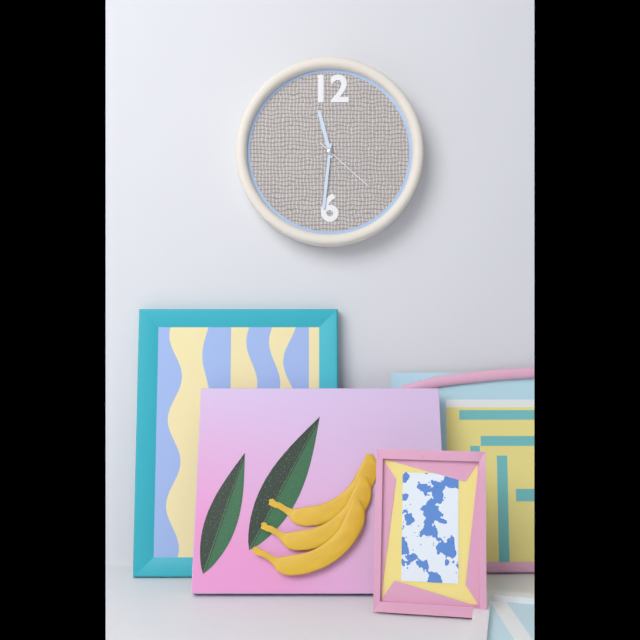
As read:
**11:31:22**
